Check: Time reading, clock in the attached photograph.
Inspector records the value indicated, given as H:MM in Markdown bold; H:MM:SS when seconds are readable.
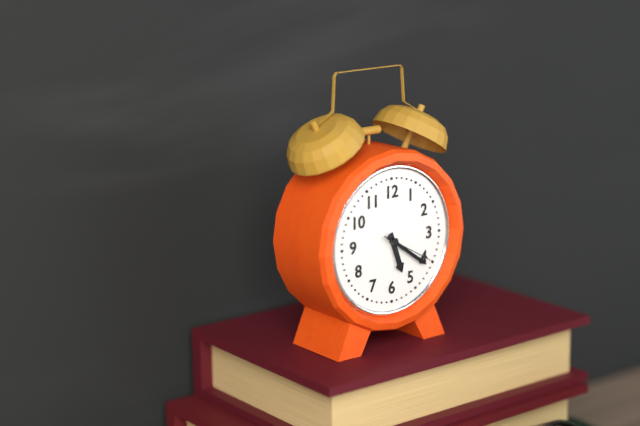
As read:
**5:21:20**
